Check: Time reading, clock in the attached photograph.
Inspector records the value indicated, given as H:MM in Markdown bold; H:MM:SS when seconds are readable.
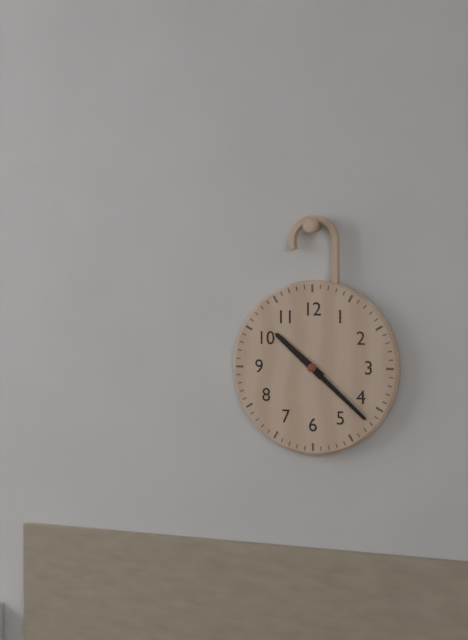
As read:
**10:22**
